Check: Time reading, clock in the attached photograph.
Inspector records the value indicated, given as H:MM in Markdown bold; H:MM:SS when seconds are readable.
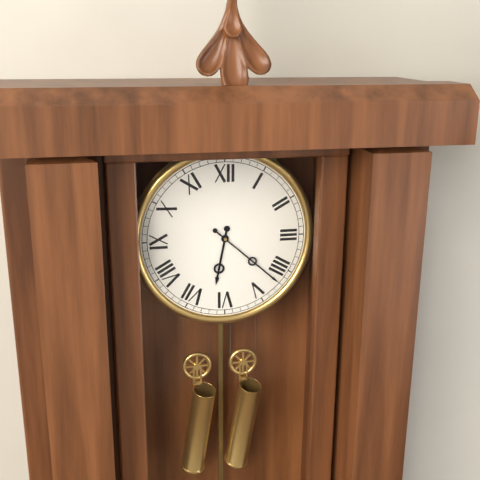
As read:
**6:22**
